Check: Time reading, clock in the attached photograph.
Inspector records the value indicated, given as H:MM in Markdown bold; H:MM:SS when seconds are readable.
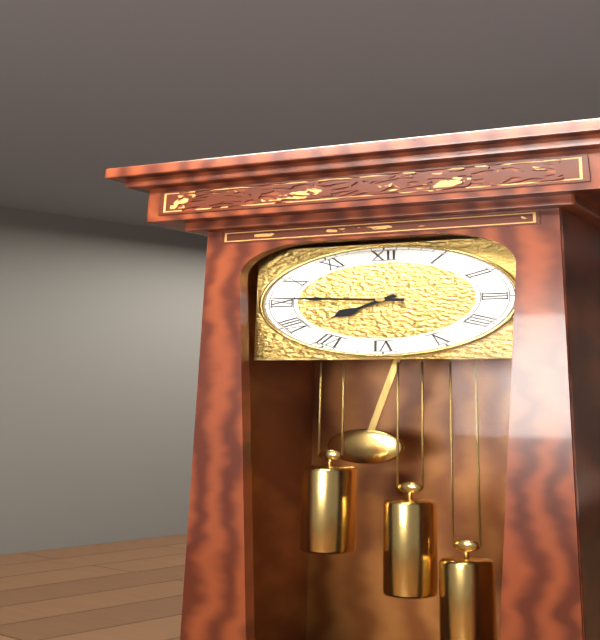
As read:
**7:46**
